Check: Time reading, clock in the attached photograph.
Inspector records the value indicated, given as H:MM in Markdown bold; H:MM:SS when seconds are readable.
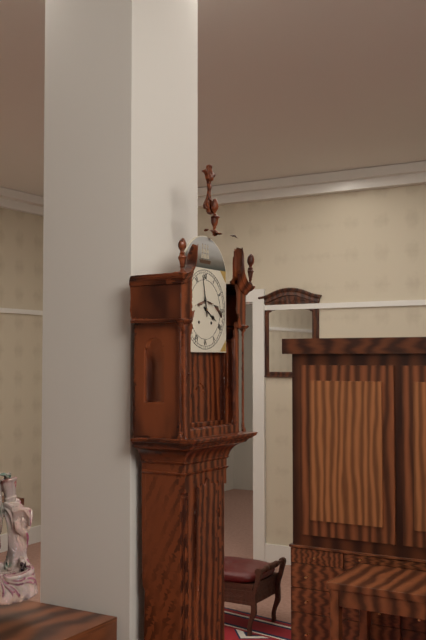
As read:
**3:58**
